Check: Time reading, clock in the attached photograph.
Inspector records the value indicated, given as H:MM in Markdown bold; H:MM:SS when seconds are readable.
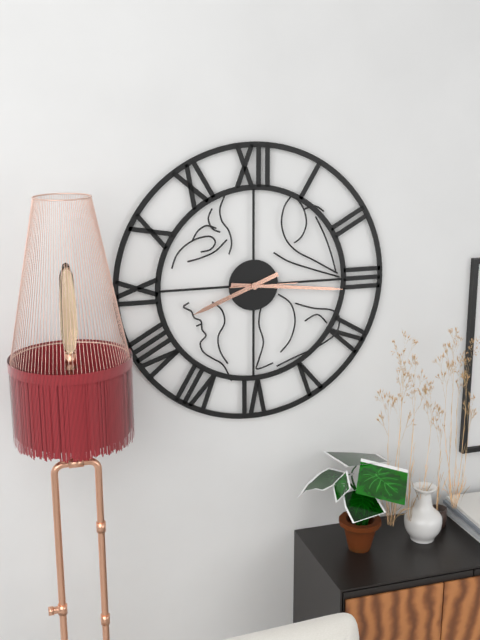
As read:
**8:16:15**
